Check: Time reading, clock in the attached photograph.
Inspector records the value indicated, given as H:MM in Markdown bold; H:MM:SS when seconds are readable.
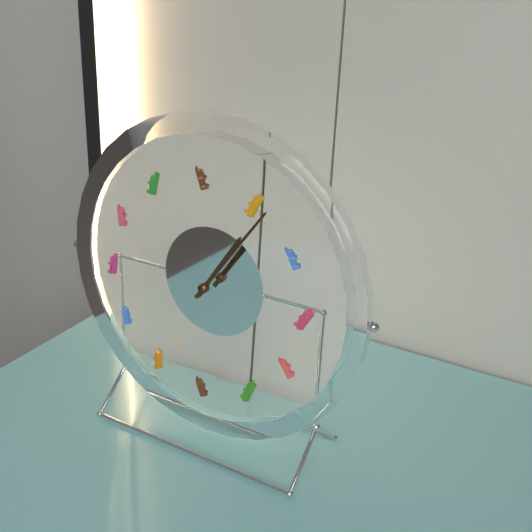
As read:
**1:06**
